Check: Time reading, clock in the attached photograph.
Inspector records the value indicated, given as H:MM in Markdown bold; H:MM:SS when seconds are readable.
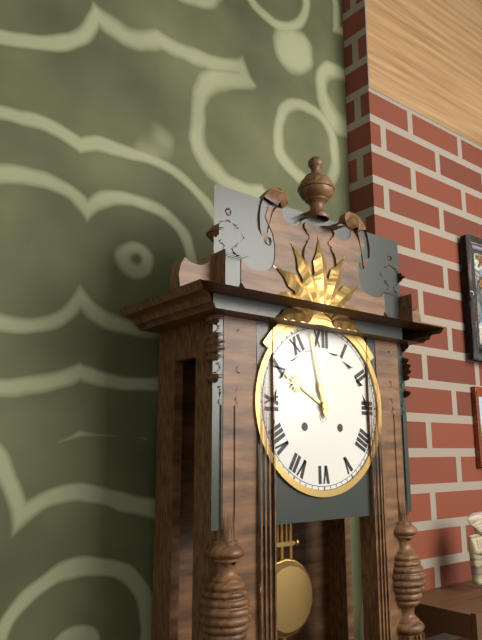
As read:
**9:58**
